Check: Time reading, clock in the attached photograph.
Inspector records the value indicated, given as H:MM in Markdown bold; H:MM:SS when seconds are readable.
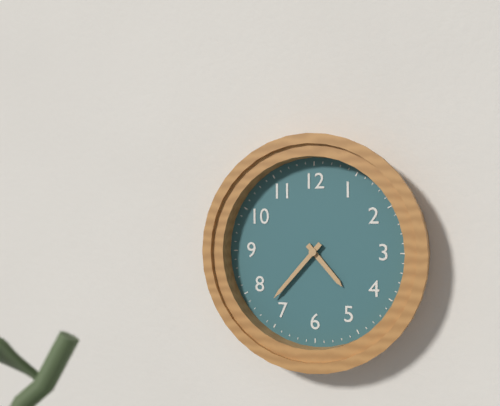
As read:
**4:37**
